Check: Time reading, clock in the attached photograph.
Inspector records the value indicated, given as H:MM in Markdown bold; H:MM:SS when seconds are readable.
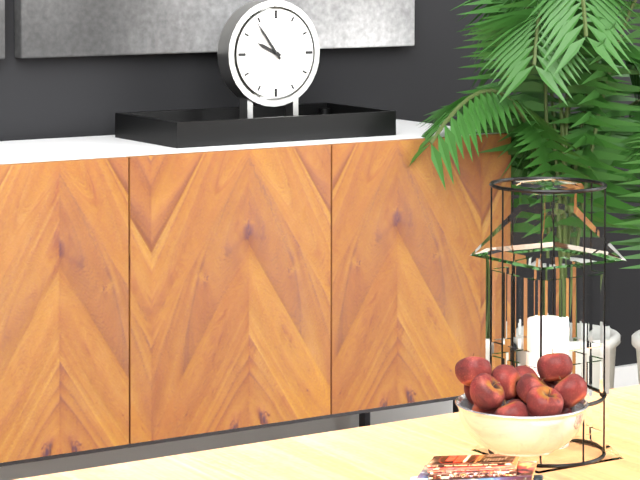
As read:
**9:54**
